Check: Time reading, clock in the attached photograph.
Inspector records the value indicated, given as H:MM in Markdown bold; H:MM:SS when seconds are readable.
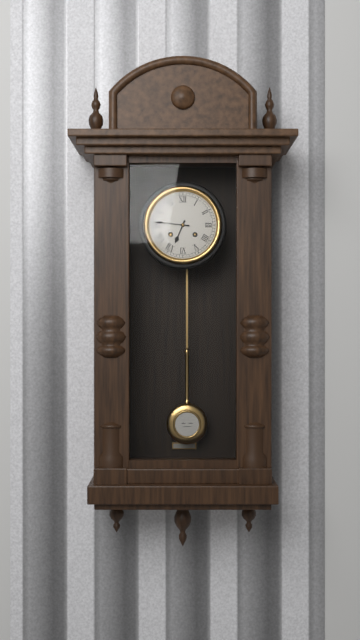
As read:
**6:46**
